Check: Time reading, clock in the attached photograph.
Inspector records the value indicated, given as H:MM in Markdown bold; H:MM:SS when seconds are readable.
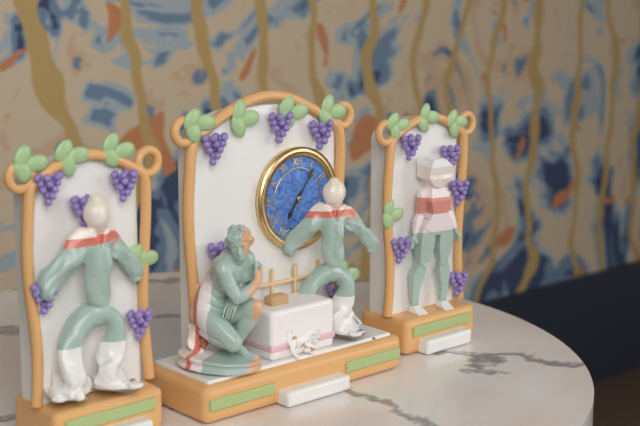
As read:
**7:06**
